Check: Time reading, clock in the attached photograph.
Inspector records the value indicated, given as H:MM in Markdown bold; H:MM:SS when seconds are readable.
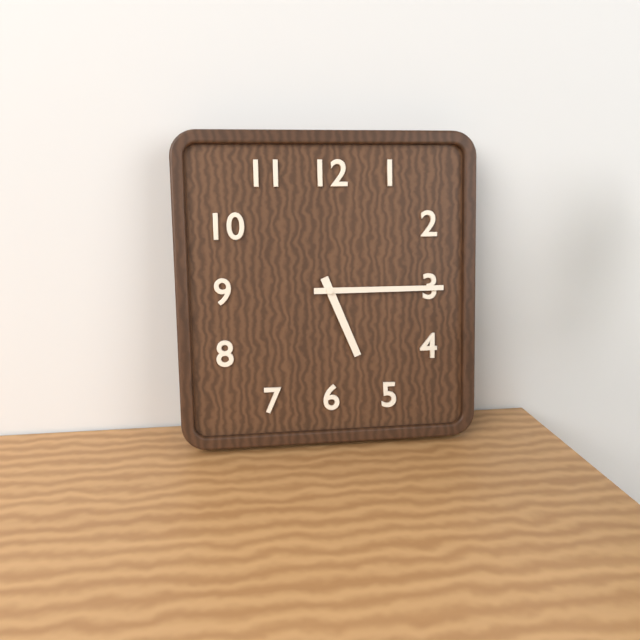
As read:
**5:15**
